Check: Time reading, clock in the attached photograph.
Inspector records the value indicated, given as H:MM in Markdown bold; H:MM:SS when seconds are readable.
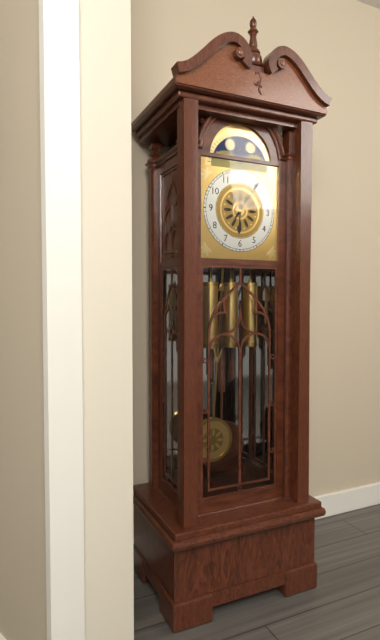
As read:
**6:06**
